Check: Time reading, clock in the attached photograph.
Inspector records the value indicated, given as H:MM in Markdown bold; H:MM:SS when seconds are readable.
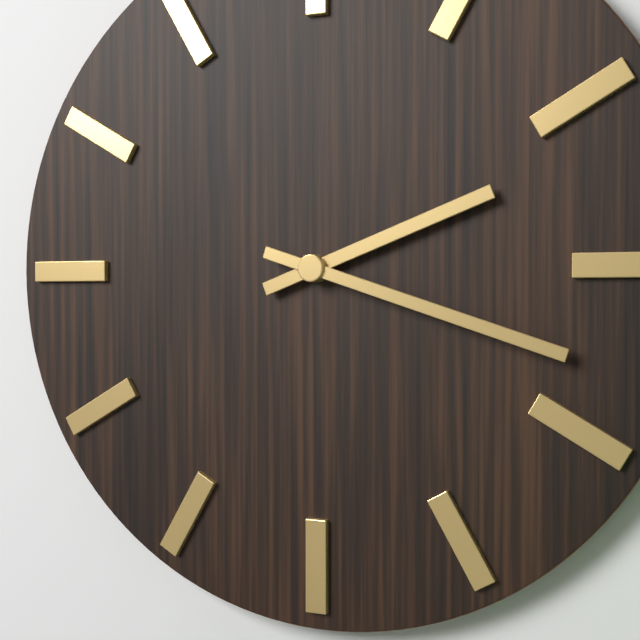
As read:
**2:18**
